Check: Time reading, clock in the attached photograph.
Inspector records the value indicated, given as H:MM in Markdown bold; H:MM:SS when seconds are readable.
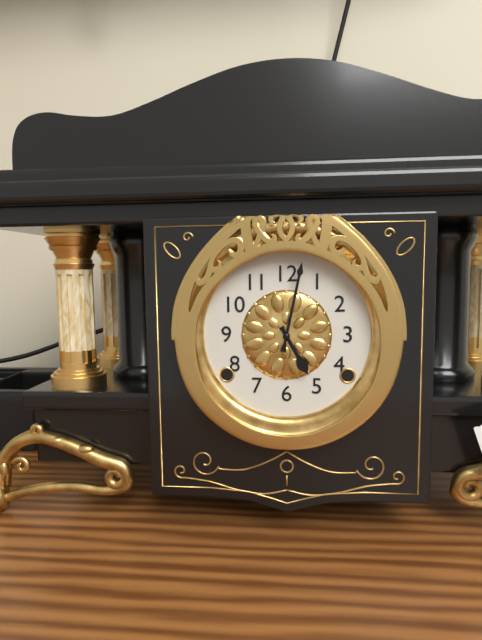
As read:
**5:02**
